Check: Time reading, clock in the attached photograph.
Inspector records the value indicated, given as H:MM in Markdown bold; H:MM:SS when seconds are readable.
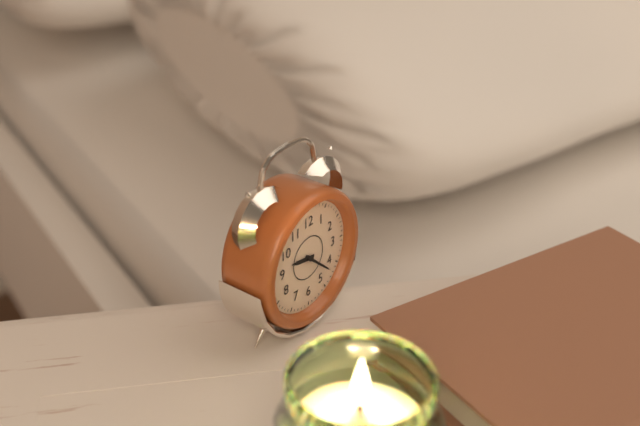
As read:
**9:22**
